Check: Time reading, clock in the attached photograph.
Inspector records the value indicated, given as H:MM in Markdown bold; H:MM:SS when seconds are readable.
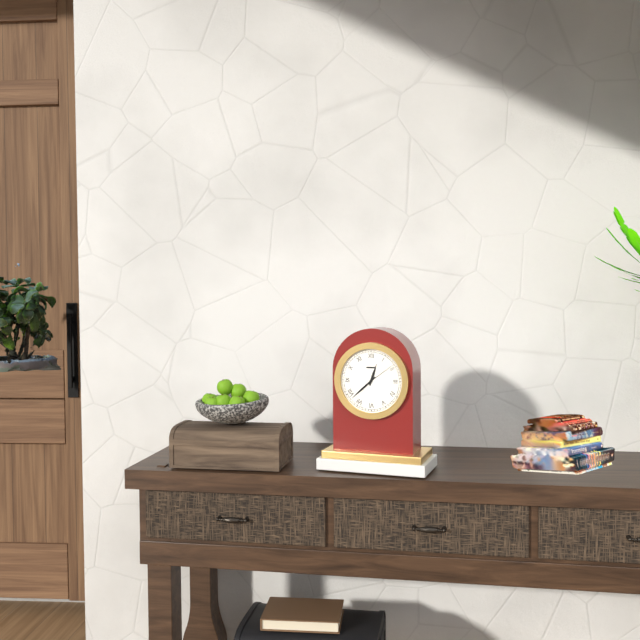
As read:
**12:38**
